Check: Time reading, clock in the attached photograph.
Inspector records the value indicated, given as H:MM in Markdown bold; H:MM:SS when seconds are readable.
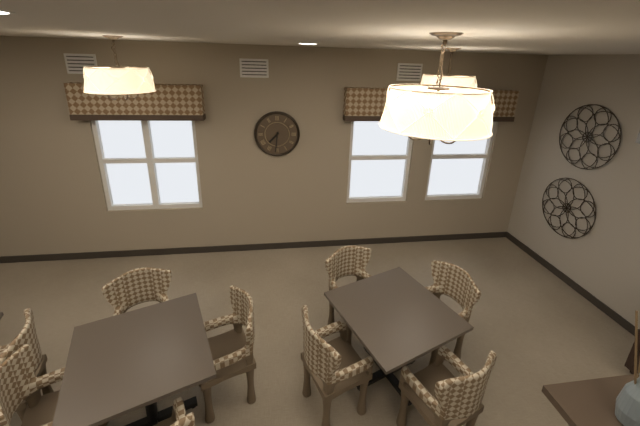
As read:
**7:31**
